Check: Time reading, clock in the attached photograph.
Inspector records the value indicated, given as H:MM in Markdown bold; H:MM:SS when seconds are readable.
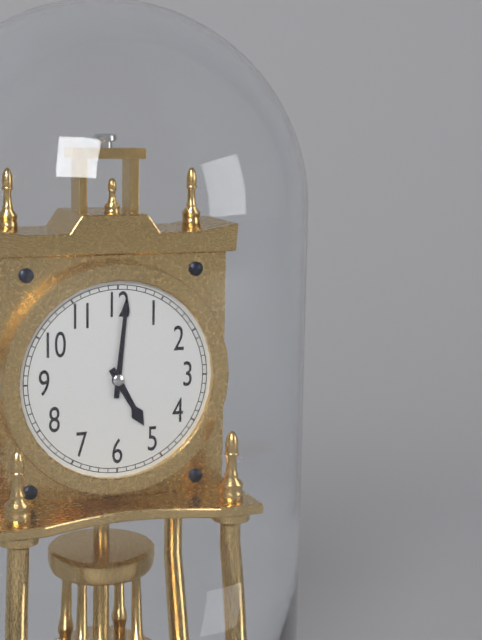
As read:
**5:01**
